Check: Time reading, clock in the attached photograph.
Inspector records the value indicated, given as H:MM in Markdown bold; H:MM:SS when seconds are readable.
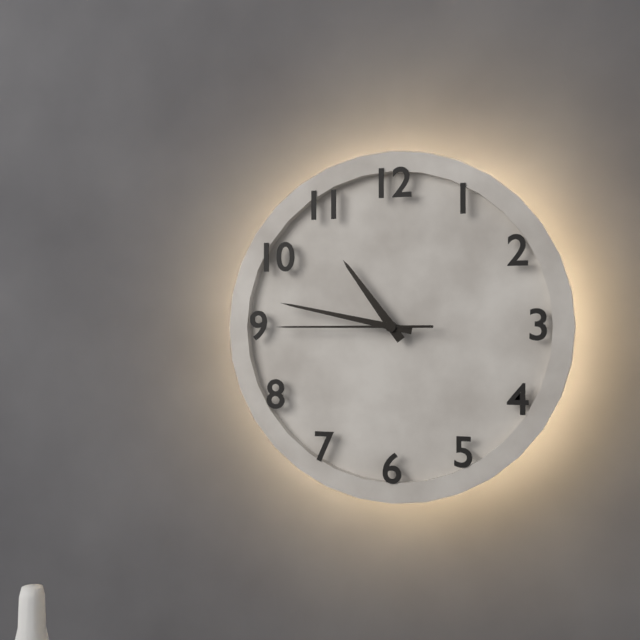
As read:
**10:47:45**
